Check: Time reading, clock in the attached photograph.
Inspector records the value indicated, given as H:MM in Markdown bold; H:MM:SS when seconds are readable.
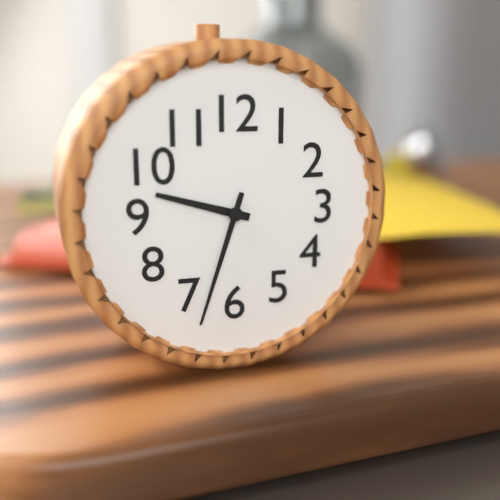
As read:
**9:33**
